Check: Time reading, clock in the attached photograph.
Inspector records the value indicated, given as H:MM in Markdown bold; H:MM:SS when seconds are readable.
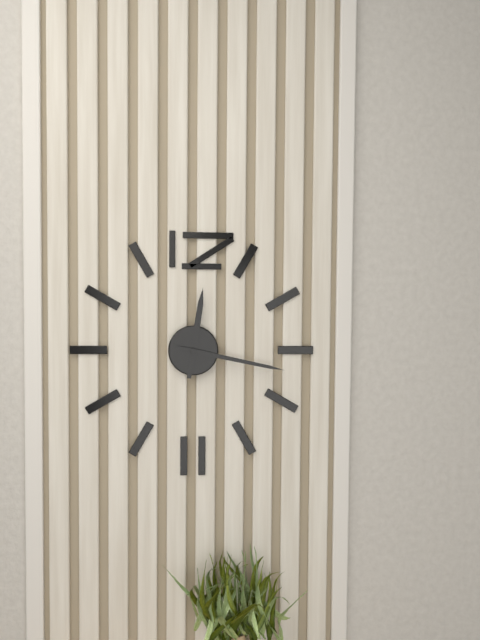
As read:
**12:17**
